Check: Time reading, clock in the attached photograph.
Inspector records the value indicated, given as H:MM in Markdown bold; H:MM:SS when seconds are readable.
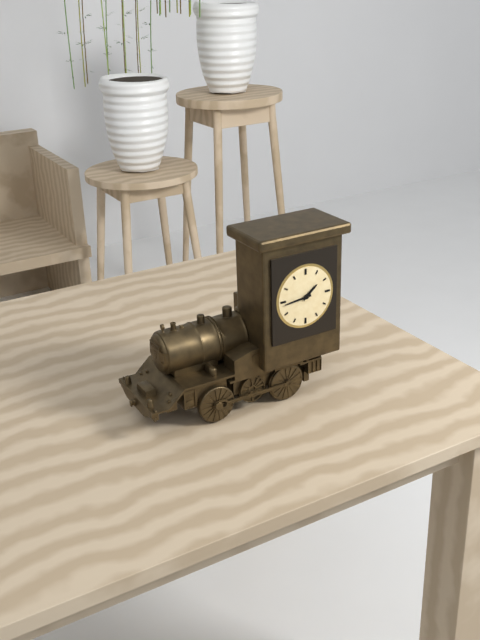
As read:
**1:44**
